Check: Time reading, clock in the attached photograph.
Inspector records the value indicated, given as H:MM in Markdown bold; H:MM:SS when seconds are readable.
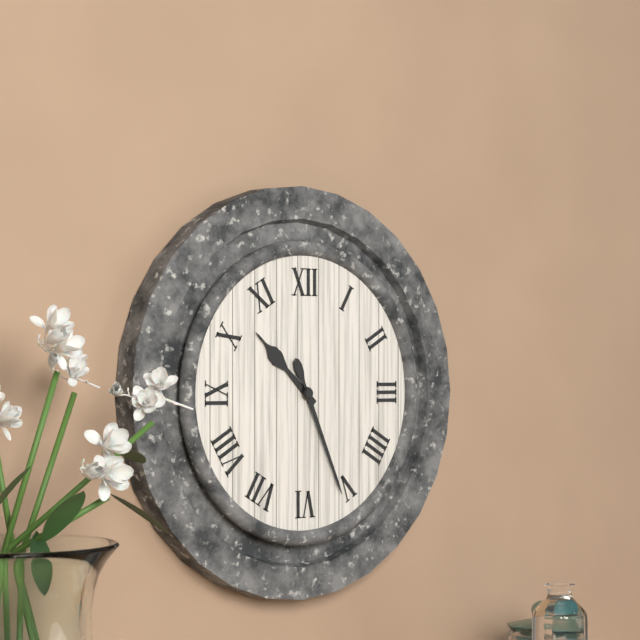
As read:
**10:26**
